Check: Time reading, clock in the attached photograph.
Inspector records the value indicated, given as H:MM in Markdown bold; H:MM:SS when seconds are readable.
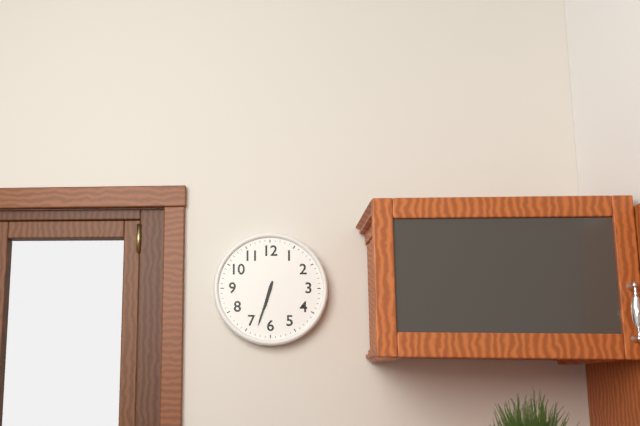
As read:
**6:33**
